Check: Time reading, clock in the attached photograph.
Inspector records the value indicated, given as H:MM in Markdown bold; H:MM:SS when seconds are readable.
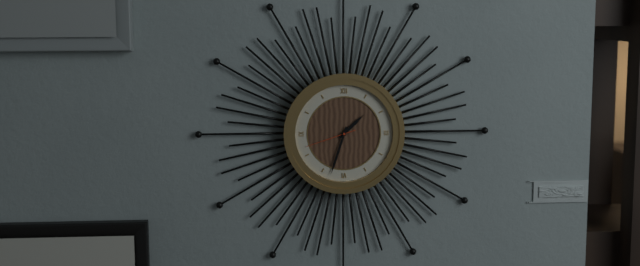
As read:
**1:33**
